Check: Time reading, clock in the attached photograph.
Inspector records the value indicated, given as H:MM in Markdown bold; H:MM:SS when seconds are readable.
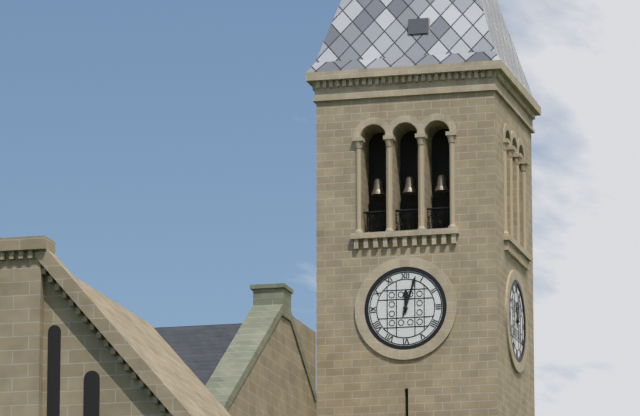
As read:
**12:03**
